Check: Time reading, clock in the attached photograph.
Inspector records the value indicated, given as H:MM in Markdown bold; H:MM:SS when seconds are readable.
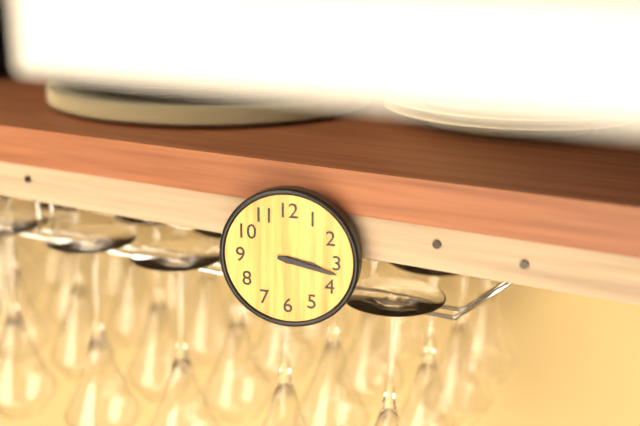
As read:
**3:17**
